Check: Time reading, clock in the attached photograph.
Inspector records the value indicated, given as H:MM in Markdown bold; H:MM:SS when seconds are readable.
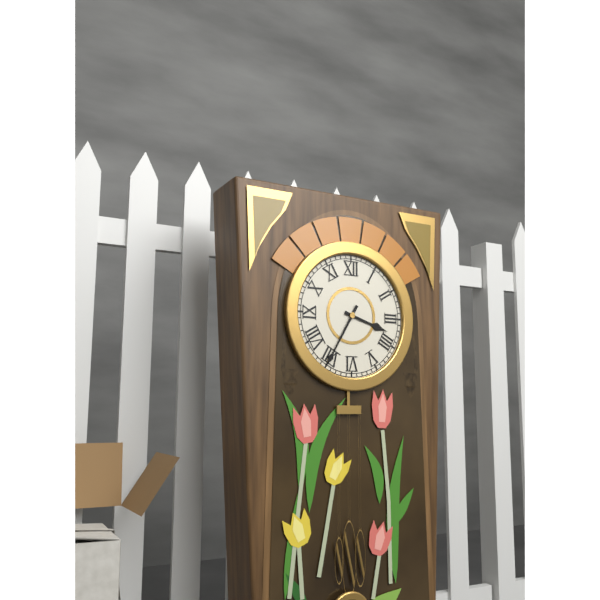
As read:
**3:35**
